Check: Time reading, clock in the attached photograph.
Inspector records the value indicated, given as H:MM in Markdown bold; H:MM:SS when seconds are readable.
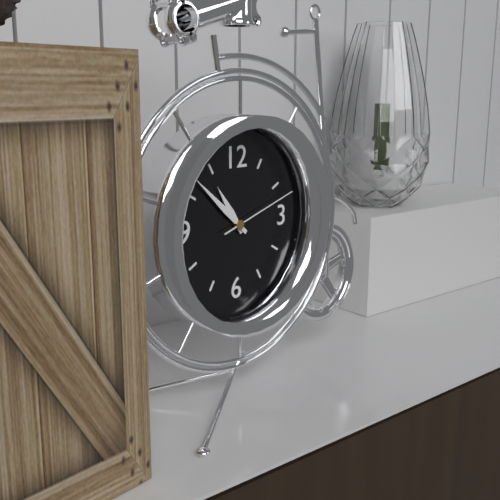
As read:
**10:52:12**
